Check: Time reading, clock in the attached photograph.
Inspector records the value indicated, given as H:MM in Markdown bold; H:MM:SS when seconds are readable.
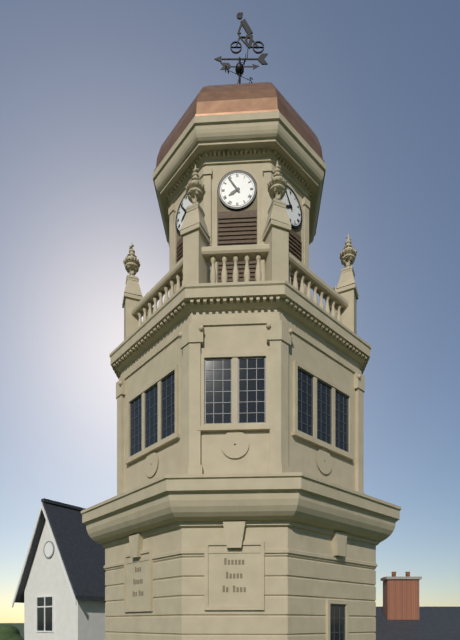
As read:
**7:54**
